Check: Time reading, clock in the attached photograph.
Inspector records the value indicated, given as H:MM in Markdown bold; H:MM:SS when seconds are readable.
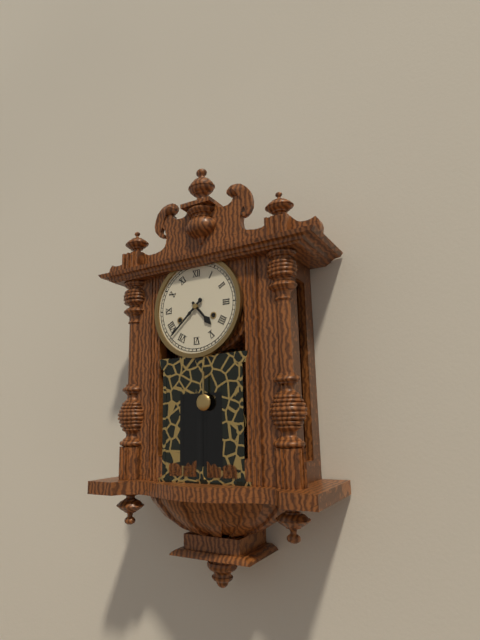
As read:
**4:38**
